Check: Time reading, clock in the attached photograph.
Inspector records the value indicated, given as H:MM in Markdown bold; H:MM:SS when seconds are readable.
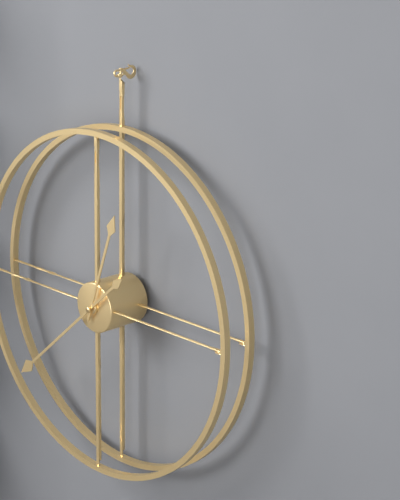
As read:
**12:38**
